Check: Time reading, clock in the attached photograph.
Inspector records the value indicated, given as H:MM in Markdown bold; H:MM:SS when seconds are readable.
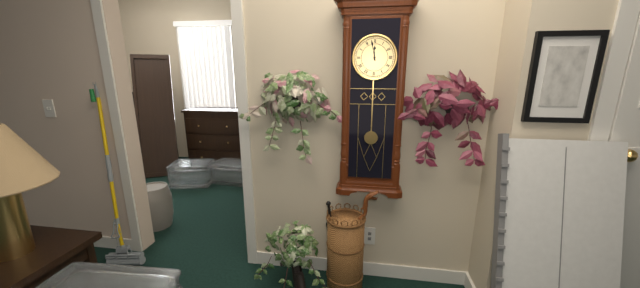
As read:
**11:58**
